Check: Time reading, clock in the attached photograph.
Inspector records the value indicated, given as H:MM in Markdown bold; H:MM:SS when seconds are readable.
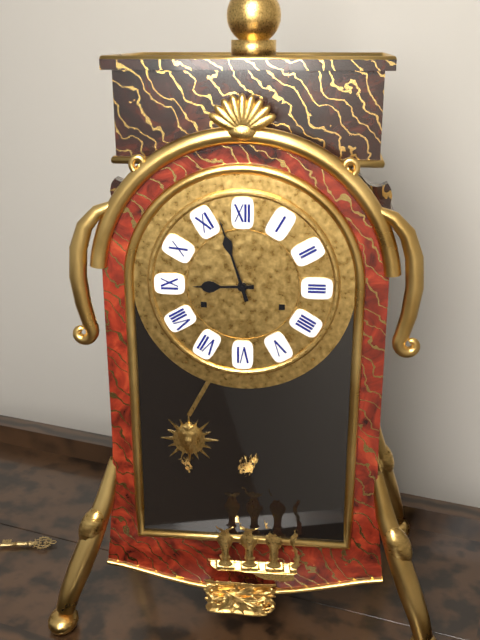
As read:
**8:57**
